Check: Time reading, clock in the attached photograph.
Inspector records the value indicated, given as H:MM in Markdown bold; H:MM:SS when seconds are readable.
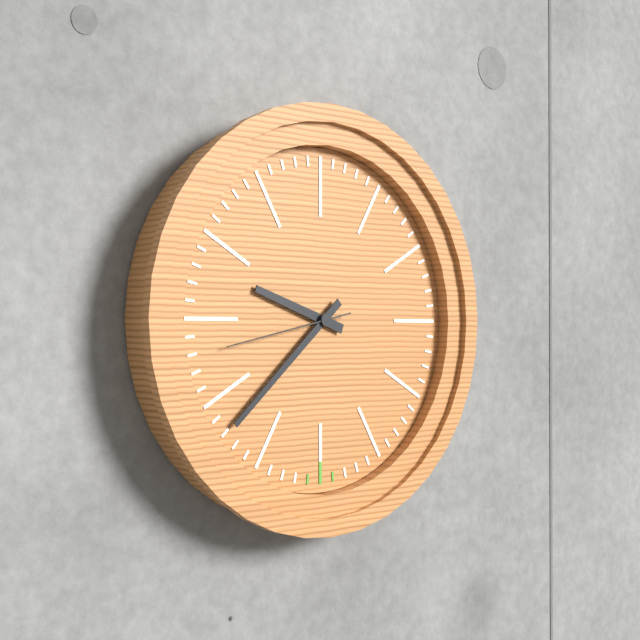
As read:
**9:38:43**
